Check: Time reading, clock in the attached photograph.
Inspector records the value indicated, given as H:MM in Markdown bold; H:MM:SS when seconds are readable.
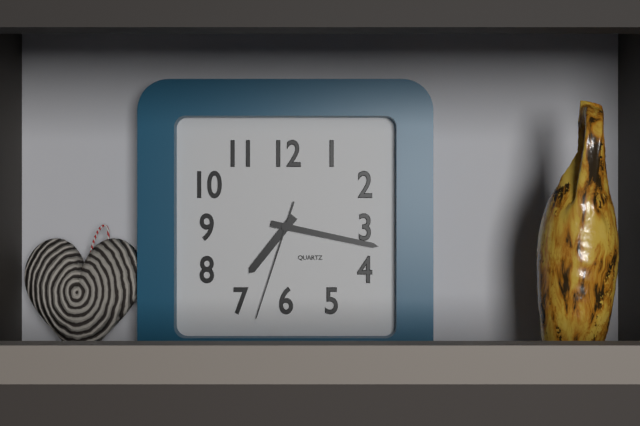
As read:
**7:17:33**
